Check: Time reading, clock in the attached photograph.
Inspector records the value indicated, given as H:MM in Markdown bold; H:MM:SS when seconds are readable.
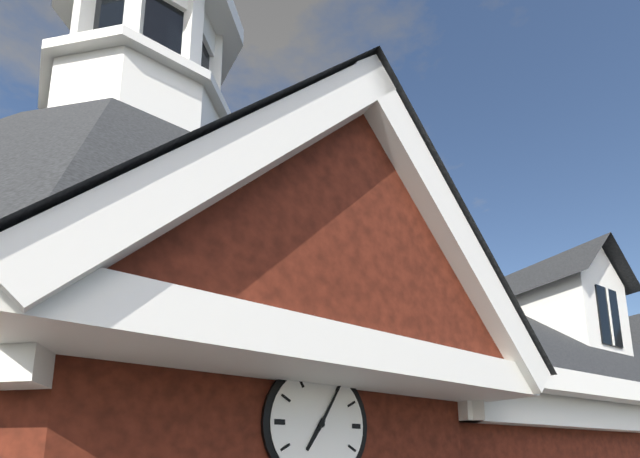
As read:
**7:05**
